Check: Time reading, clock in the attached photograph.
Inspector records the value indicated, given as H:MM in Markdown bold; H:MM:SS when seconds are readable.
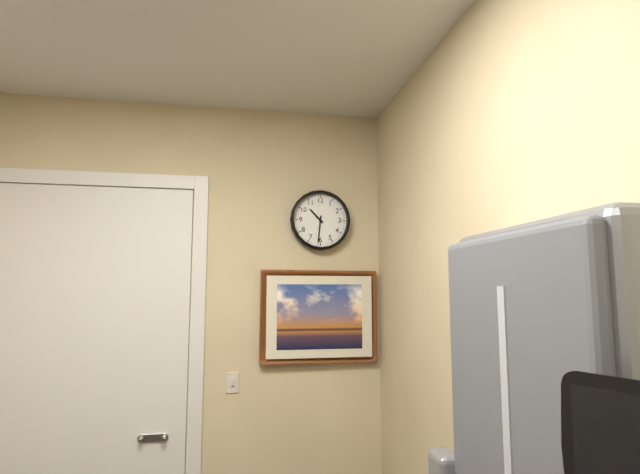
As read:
**10:31**
